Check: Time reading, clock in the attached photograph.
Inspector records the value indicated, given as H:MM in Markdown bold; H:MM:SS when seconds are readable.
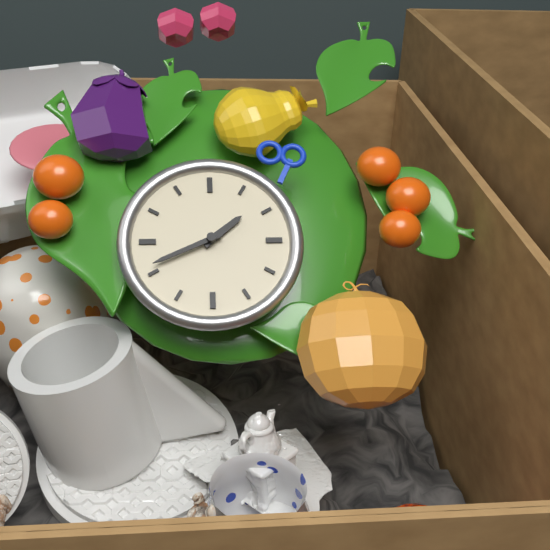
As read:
**1:41**
